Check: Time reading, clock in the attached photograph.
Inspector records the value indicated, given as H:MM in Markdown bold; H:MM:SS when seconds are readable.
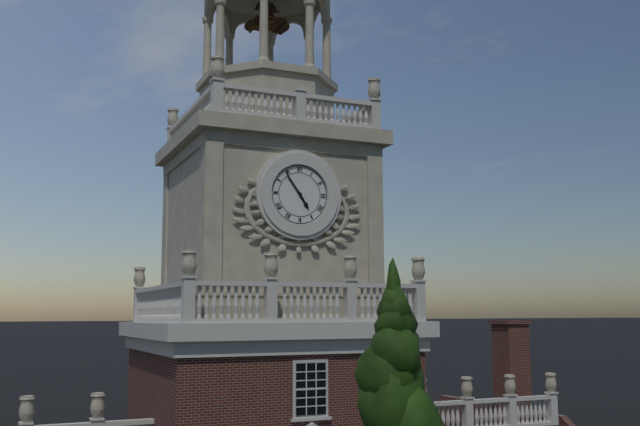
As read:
**4:54**
